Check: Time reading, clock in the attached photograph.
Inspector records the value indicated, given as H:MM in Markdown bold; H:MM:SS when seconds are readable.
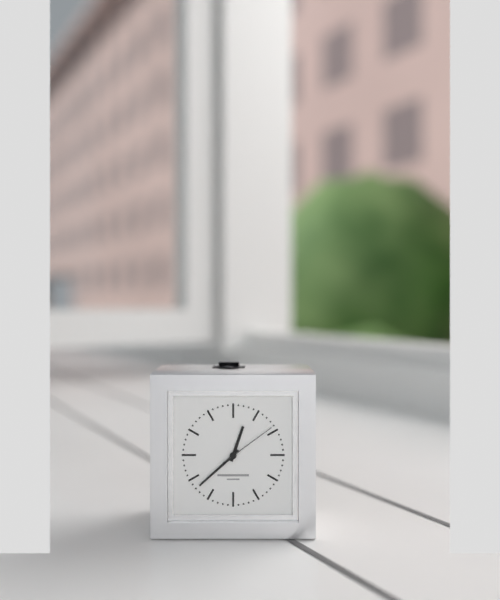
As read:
**12:38:09**
